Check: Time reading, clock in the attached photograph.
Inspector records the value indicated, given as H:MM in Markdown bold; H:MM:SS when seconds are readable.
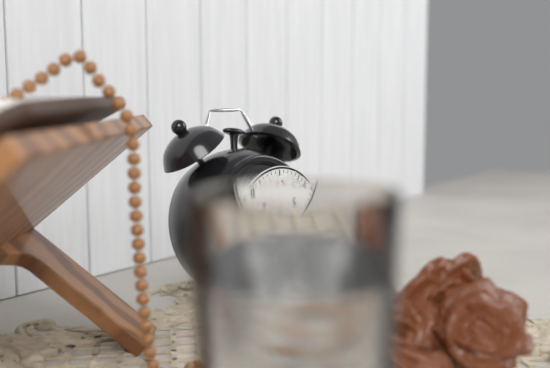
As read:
**1:48:57**
